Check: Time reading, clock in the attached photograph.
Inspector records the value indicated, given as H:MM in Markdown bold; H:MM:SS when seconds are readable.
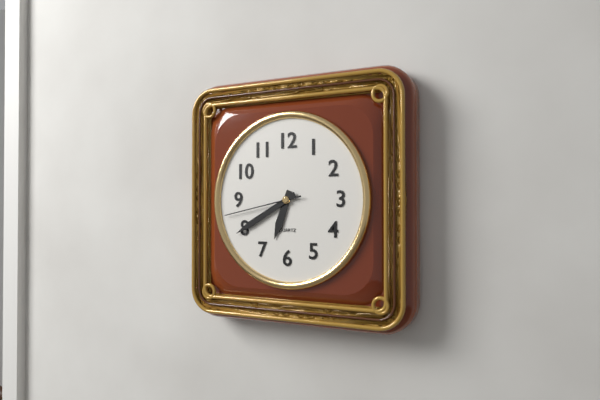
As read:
**6:40:43**
